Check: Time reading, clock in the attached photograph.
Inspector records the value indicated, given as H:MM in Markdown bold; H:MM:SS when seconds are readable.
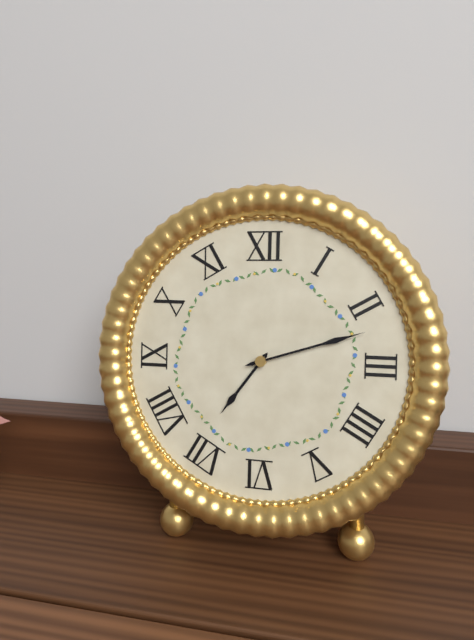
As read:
**7:12**
